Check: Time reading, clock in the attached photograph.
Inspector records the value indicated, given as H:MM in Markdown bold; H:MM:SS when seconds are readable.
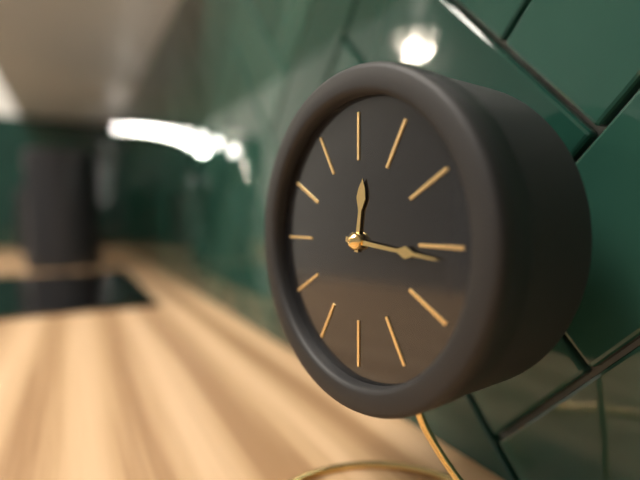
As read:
**12:16**
